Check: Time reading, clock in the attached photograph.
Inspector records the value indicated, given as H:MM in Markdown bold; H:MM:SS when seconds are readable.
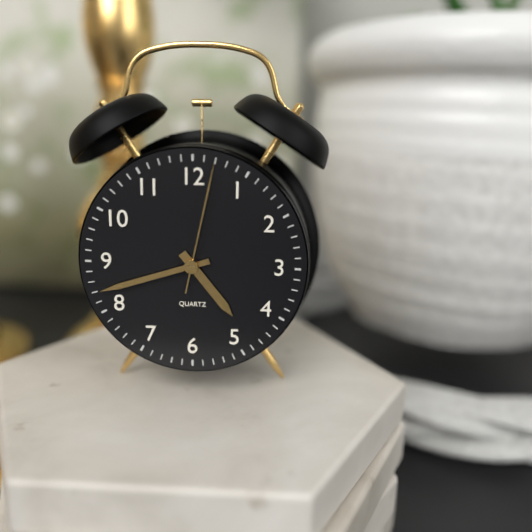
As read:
**4:42:02**
